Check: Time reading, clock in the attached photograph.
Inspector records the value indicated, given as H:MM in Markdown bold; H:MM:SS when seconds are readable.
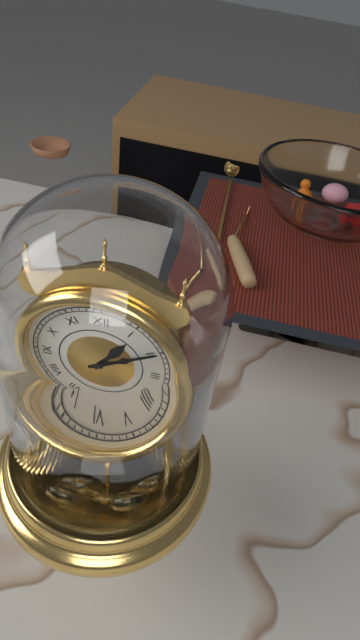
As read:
**1:10**
